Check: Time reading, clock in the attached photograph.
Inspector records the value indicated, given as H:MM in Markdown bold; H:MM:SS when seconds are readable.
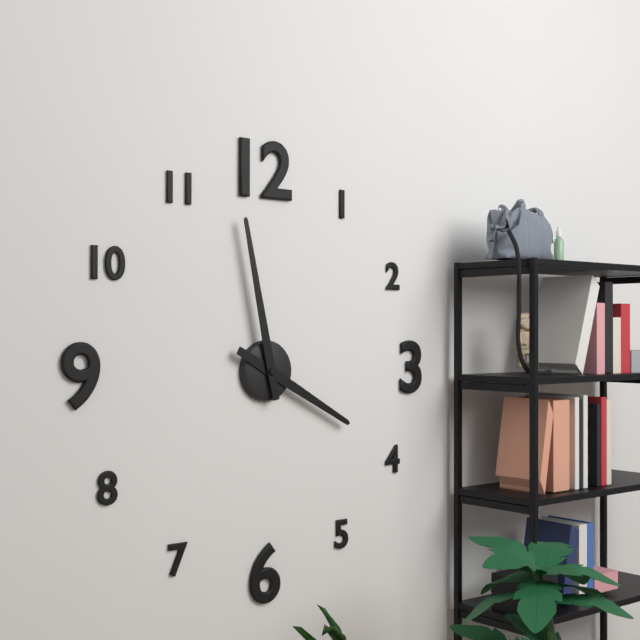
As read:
**3:58**
